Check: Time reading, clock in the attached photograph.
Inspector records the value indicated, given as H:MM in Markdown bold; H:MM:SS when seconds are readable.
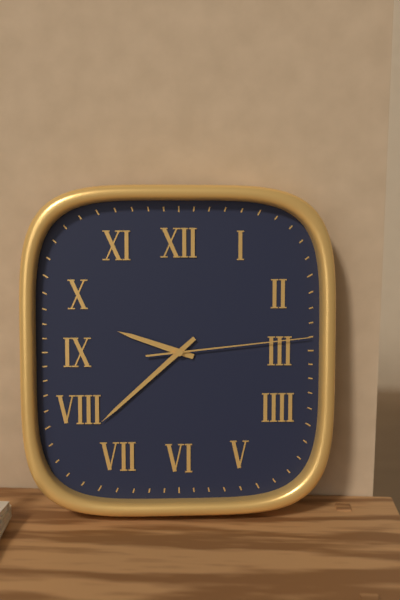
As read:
**9:38:14**
